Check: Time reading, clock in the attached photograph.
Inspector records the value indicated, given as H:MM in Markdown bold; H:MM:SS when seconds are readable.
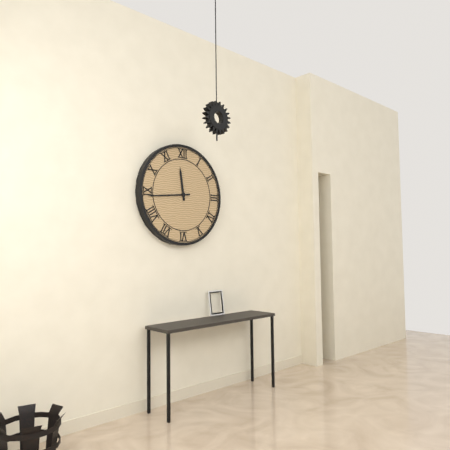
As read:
**11:44**
